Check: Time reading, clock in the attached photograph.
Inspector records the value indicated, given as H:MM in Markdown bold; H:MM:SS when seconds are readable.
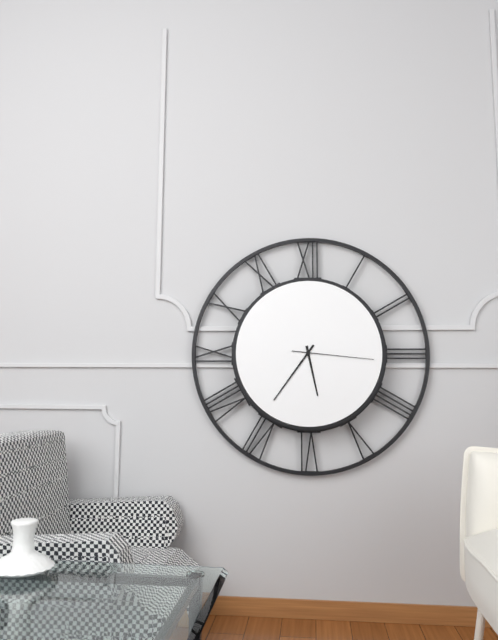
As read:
**5:36:16**
